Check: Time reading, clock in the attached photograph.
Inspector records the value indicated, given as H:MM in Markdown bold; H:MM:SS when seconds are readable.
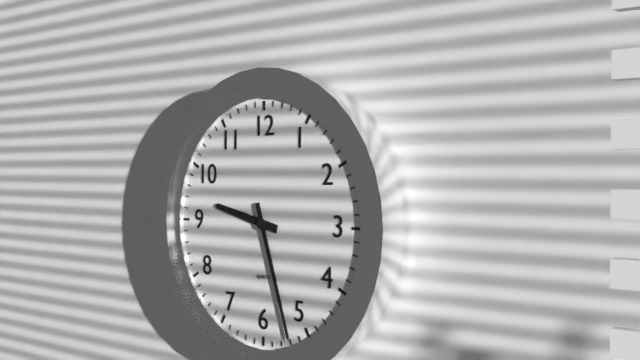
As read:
**9:27**
